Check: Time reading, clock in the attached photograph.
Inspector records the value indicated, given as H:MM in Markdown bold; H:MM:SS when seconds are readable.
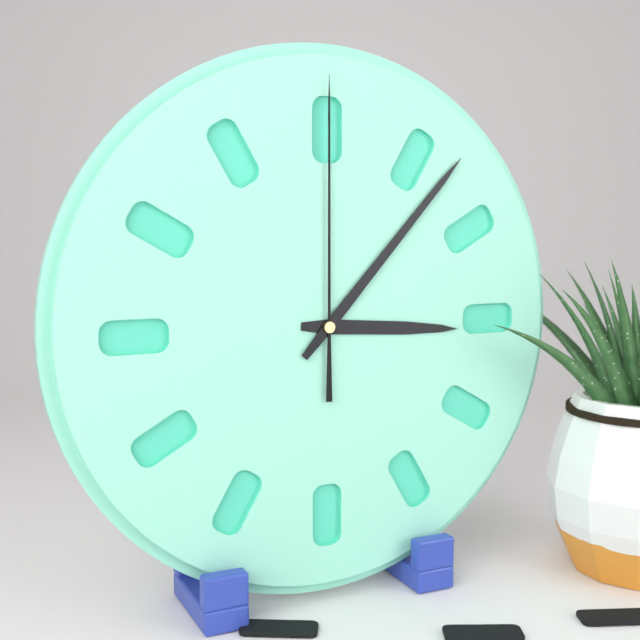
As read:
**3:07:00**
